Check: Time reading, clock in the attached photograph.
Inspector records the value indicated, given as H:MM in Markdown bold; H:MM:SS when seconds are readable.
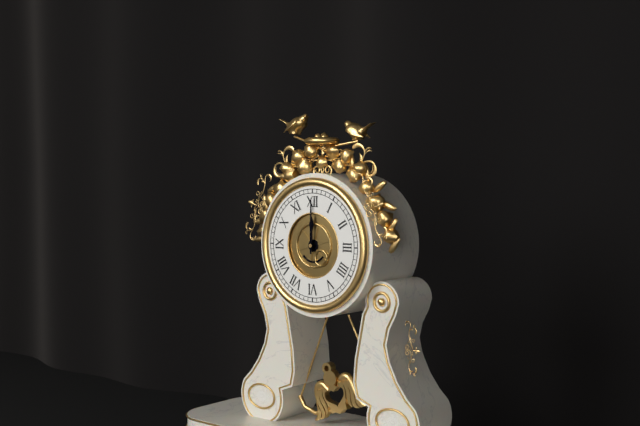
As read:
**12:00**
